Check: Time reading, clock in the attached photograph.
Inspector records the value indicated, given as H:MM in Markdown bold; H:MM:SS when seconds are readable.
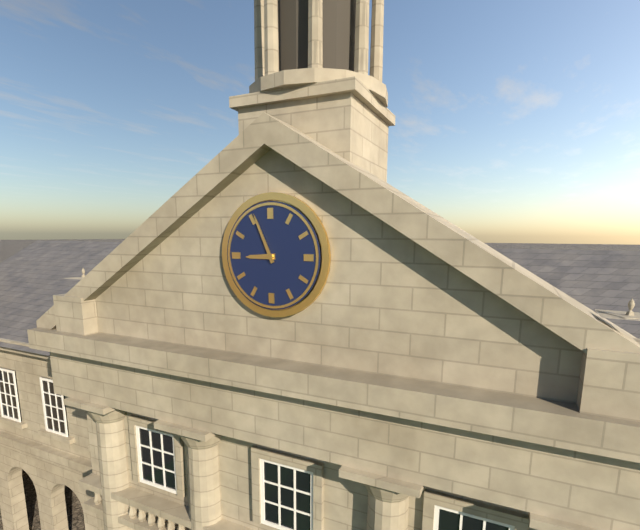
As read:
**8:56**
